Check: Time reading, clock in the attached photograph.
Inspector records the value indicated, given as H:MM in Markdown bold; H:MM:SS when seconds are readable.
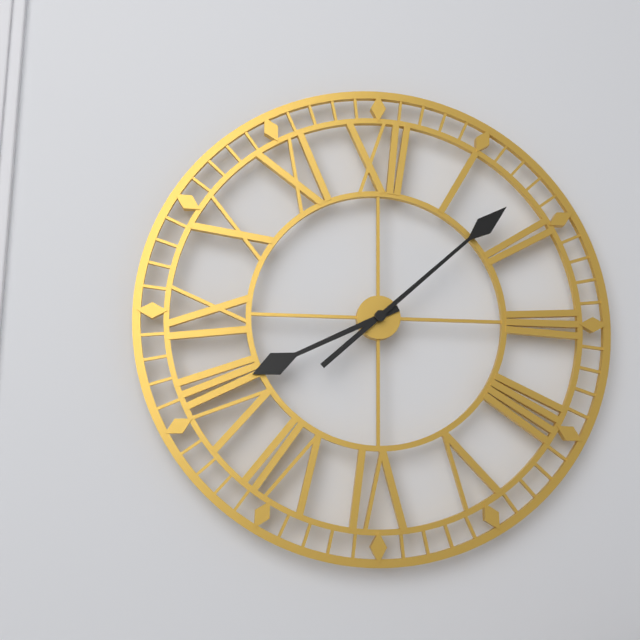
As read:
**8:08**
